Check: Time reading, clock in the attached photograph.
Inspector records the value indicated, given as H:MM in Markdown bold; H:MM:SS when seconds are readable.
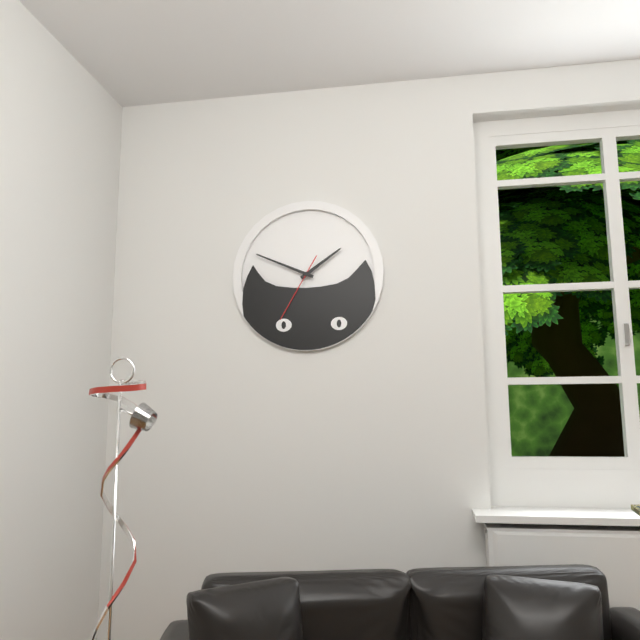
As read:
**1:49:35**
